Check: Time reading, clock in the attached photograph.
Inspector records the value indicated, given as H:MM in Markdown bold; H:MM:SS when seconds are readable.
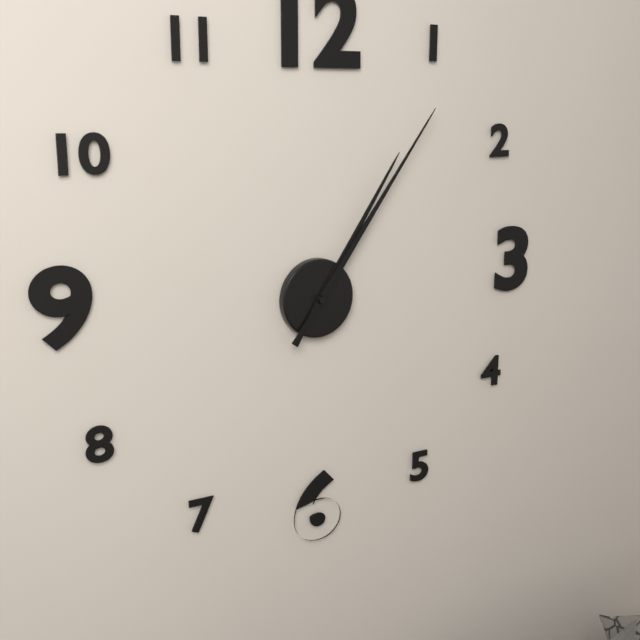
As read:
**1:06**
